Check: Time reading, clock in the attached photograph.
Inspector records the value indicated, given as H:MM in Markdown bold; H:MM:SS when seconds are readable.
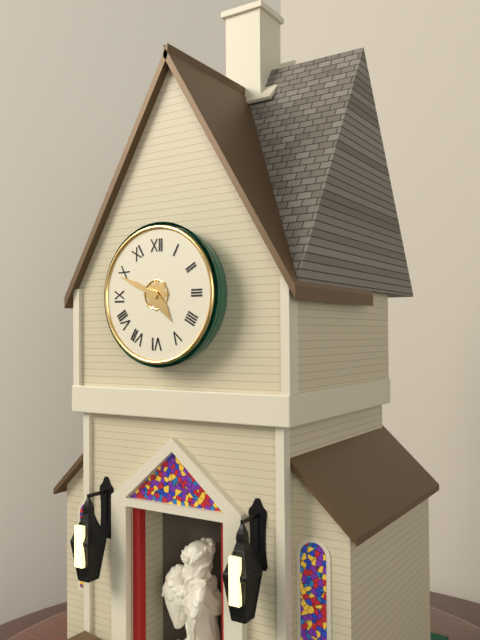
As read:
**4:49**
